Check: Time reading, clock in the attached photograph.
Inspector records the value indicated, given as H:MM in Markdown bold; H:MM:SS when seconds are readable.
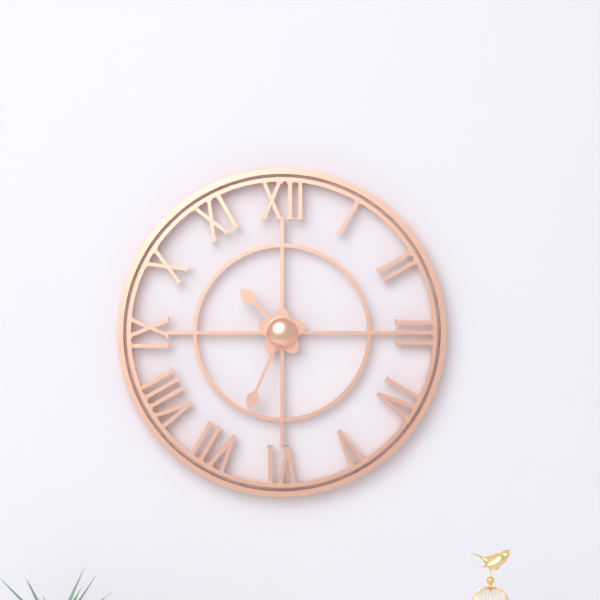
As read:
**10:34**
